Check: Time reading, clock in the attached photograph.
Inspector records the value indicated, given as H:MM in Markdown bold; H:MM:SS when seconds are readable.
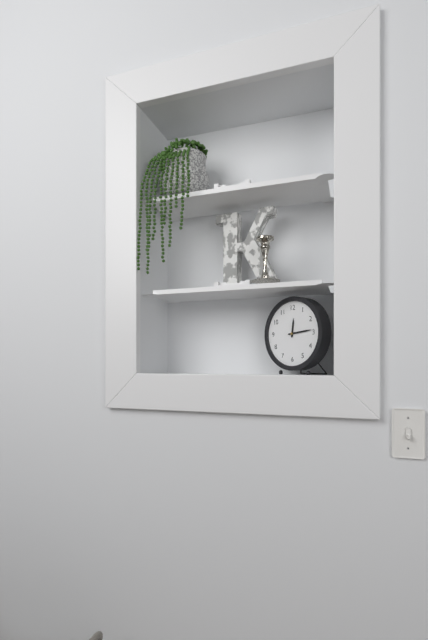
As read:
**12:14**
